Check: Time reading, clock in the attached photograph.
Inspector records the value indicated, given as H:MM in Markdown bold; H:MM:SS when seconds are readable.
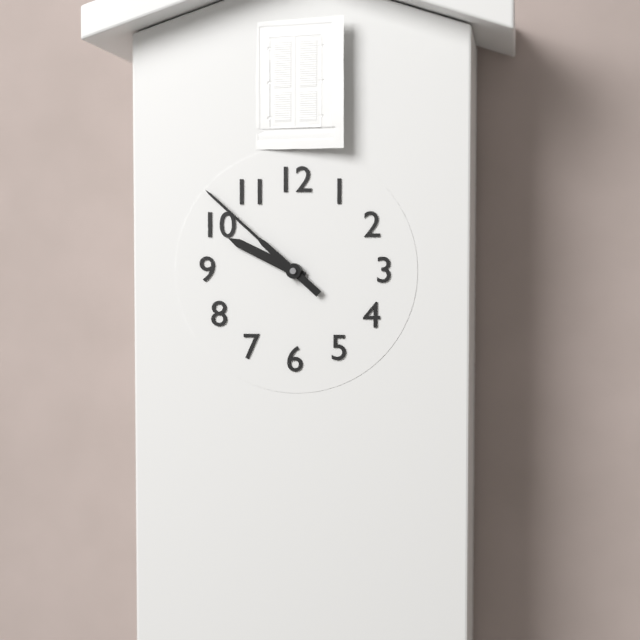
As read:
**9:52**
